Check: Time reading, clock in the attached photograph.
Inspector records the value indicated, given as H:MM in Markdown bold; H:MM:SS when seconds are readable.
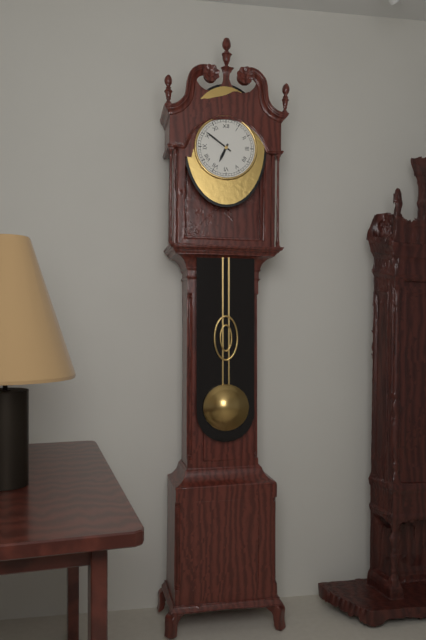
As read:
**6:51**
